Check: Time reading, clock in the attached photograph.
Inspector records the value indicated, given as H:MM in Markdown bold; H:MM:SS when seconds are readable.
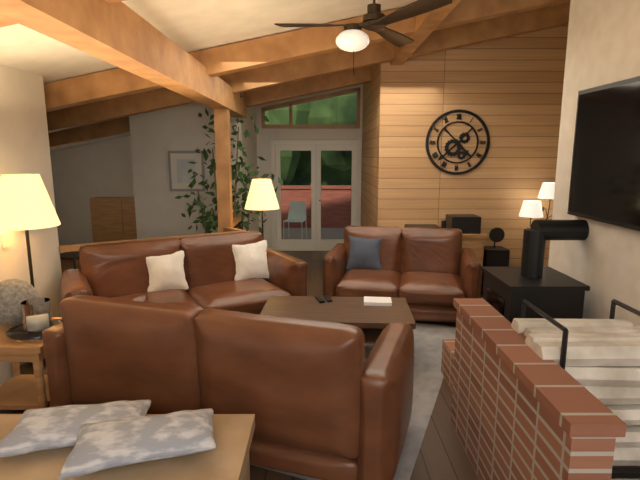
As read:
**4:38**
